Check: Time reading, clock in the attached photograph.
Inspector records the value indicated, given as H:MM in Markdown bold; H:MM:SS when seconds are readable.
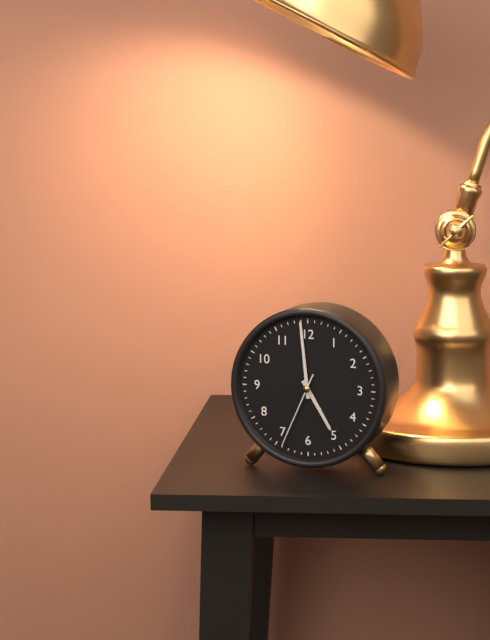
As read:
**4:59:34**
